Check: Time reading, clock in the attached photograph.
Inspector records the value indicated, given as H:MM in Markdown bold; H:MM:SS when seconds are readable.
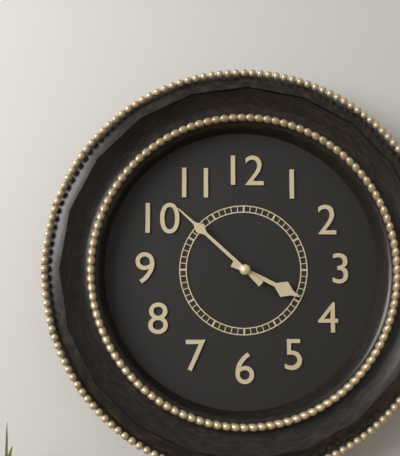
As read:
**3:52**
